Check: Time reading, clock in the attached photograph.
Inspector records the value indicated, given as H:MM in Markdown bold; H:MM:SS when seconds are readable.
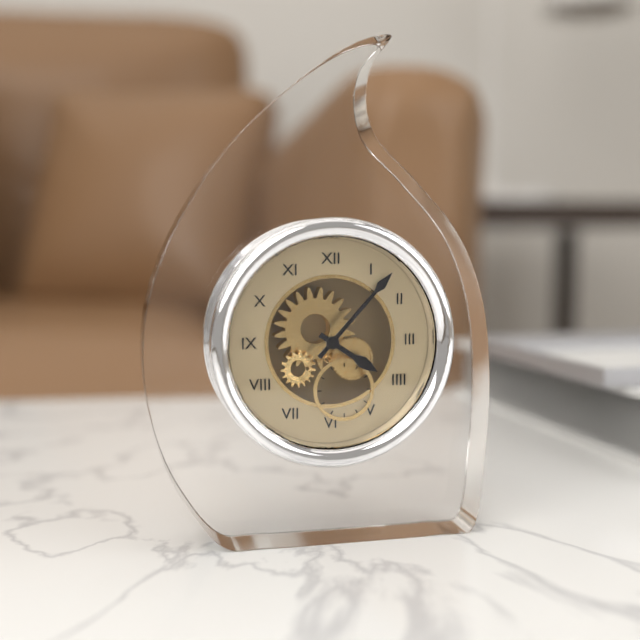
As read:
**4:07**
